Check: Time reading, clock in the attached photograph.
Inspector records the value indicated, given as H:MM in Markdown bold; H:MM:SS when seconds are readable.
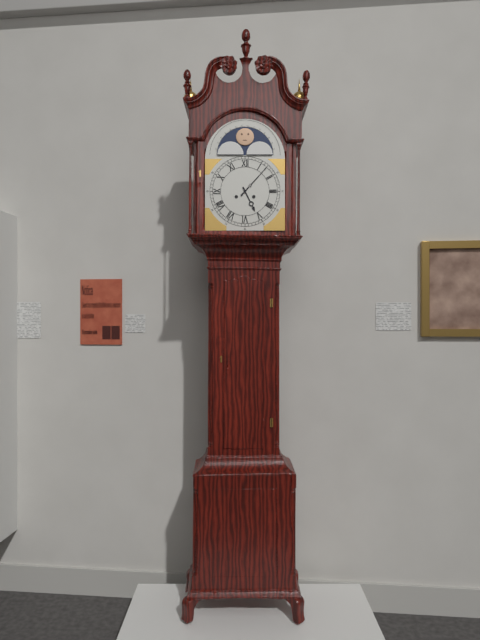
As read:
**5:07**
